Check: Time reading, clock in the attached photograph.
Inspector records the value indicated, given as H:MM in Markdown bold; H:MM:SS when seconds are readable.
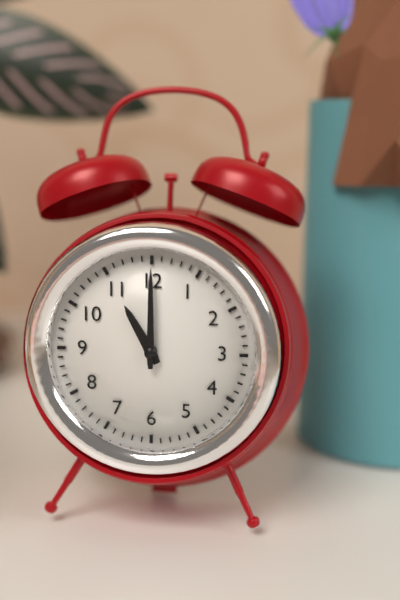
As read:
**11:00**
